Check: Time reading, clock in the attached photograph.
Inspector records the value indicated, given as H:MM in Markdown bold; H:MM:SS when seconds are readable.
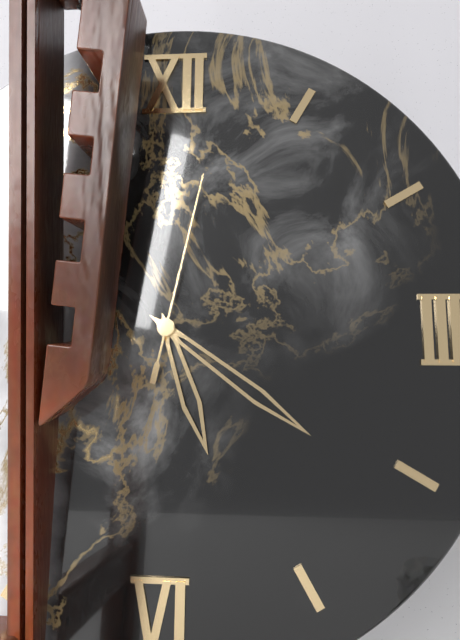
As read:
**5:21:02**
